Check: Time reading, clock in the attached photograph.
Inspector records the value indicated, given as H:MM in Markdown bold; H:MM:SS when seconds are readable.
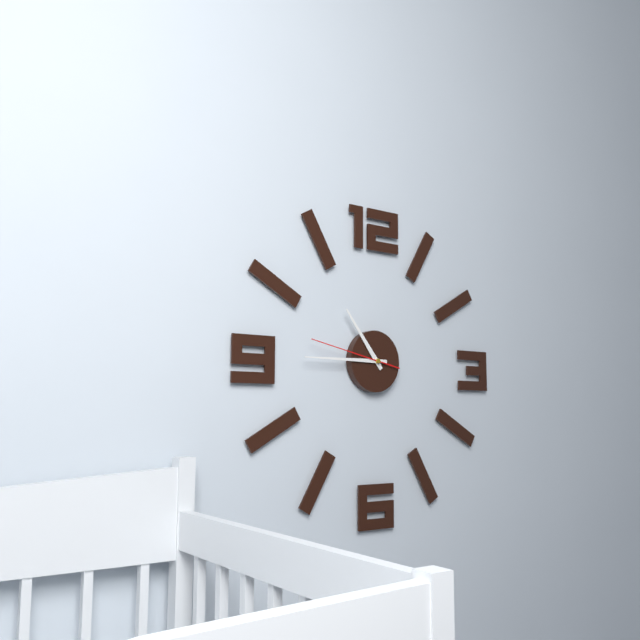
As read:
**10:45:47**
